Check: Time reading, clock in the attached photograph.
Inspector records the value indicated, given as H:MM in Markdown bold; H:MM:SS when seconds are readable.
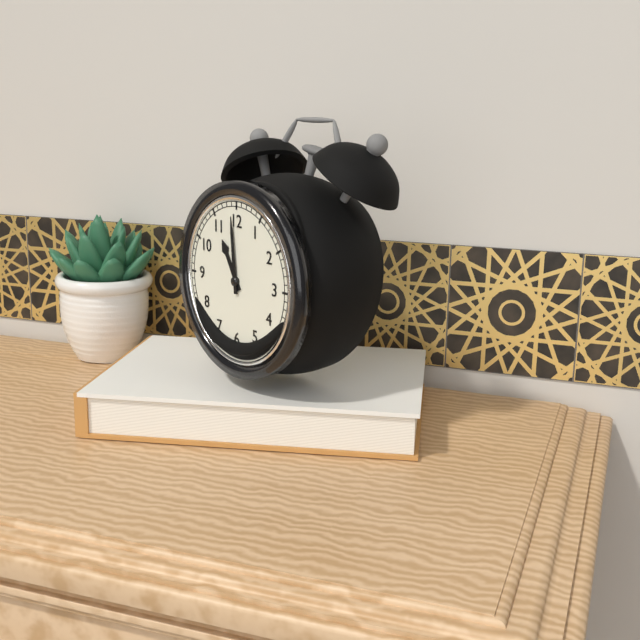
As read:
**10:59**
